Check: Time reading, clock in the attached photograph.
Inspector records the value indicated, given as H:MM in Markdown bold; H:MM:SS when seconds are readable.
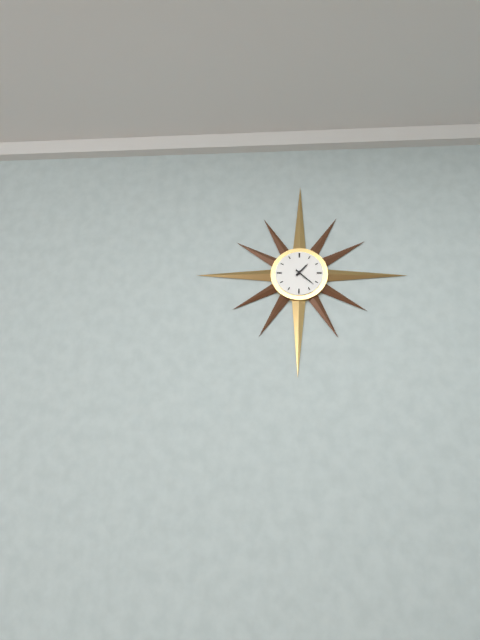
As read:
**1:22**
